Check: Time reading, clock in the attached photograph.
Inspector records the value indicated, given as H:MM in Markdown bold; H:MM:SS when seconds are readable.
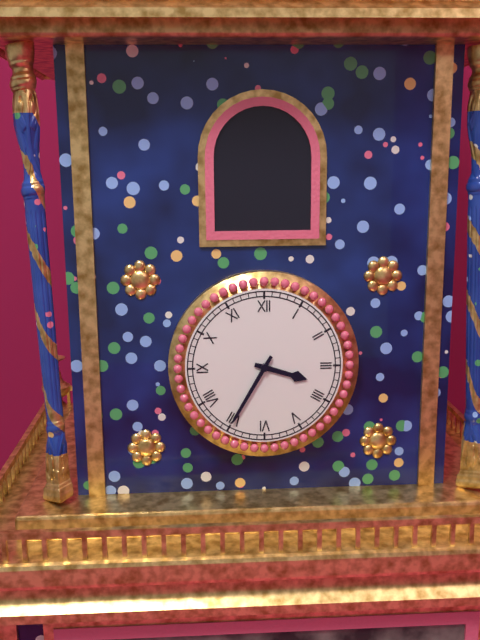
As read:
**3:35**
